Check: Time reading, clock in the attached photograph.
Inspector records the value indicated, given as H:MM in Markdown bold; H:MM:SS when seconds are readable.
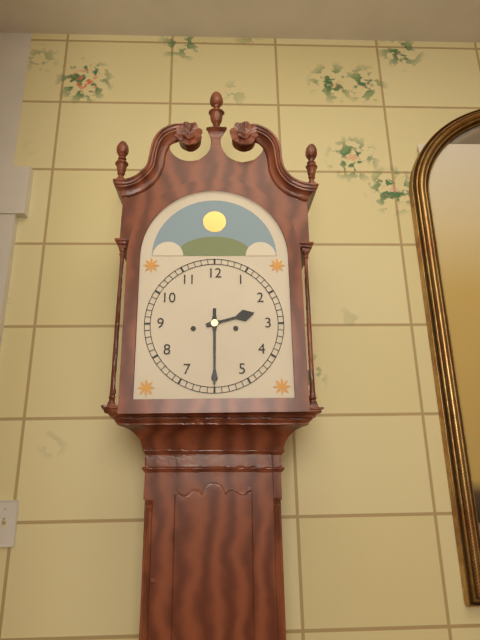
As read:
**2:30**
